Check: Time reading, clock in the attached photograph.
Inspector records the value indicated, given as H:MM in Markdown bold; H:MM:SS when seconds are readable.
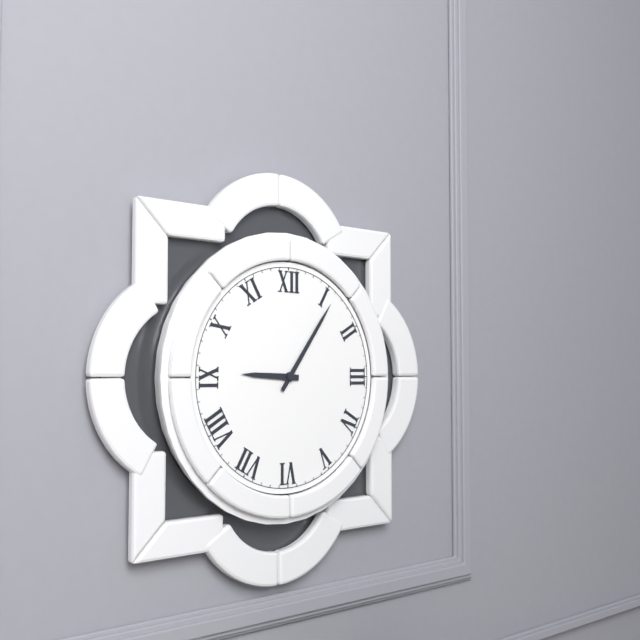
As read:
**9:06**
